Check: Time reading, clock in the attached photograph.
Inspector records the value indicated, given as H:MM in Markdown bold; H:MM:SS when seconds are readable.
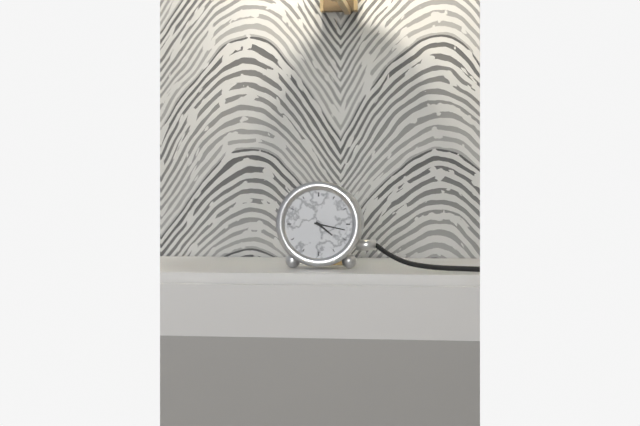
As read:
**4:17**
